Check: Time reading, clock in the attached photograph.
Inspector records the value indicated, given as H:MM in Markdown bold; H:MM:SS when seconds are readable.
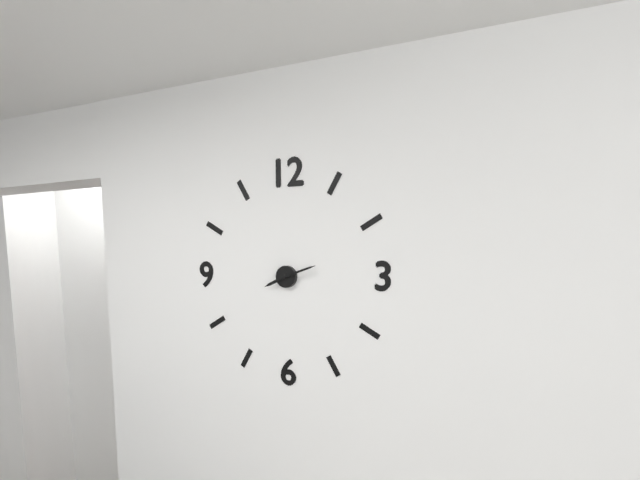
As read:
**8:12**
